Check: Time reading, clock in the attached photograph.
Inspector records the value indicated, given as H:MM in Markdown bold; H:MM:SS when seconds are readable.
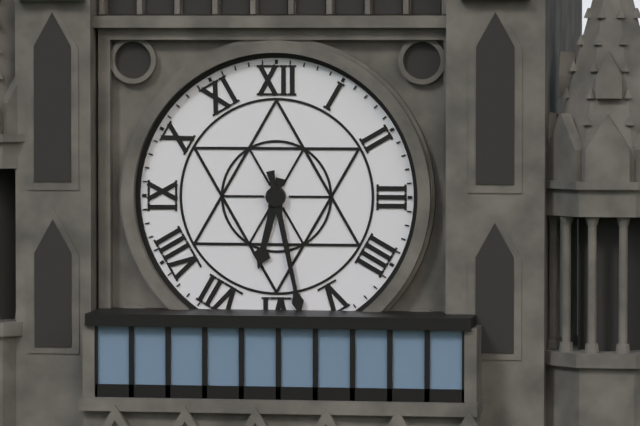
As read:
**6:28**
